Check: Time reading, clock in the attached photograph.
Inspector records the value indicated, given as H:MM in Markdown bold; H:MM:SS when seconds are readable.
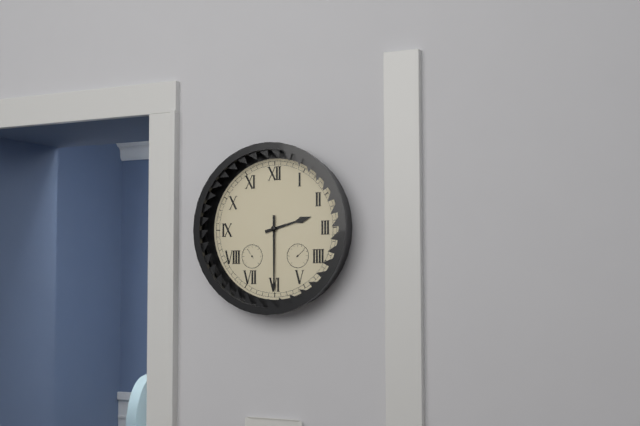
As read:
**2:30**
